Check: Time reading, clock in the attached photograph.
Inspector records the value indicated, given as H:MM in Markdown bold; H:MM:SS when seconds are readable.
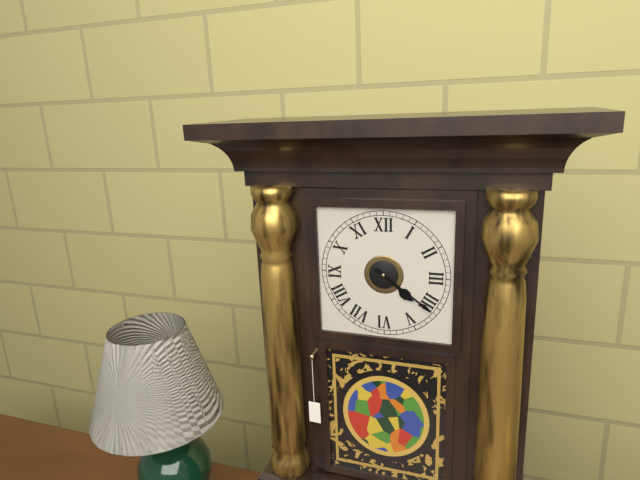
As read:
**4:21**
